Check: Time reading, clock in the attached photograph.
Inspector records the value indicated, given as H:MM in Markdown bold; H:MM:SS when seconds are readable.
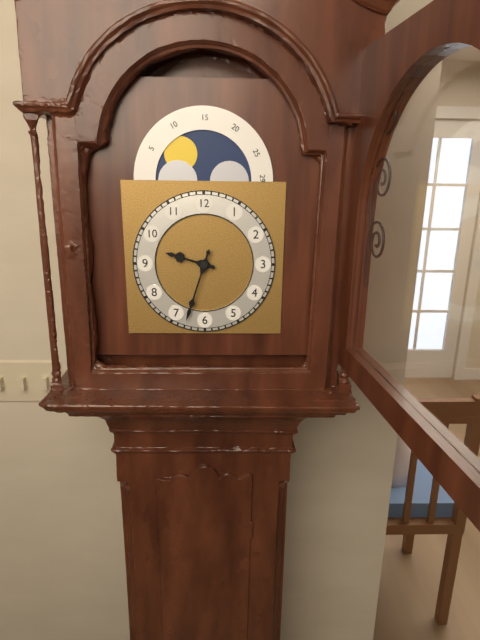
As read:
**9:33**
